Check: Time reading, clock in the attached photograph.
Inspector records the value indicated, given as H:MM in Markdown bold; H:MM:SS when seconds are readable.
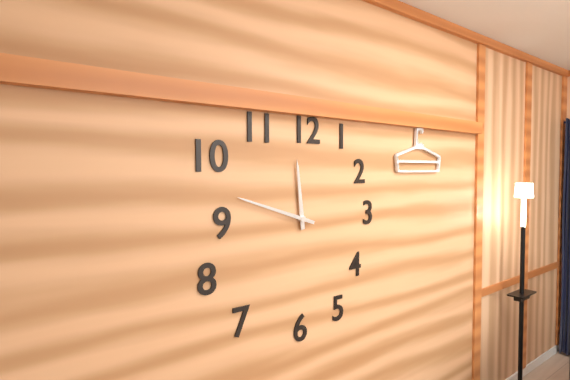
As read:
**11:48**
